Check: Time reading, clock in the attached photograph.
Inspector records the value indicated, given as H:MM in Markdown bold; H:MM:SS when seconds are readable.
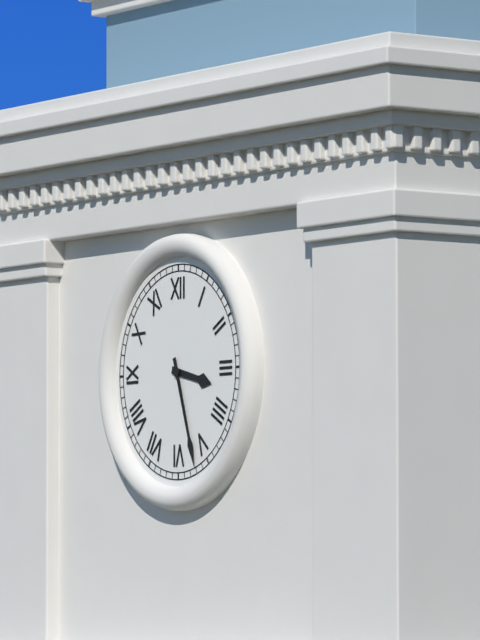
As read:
**3:27**
